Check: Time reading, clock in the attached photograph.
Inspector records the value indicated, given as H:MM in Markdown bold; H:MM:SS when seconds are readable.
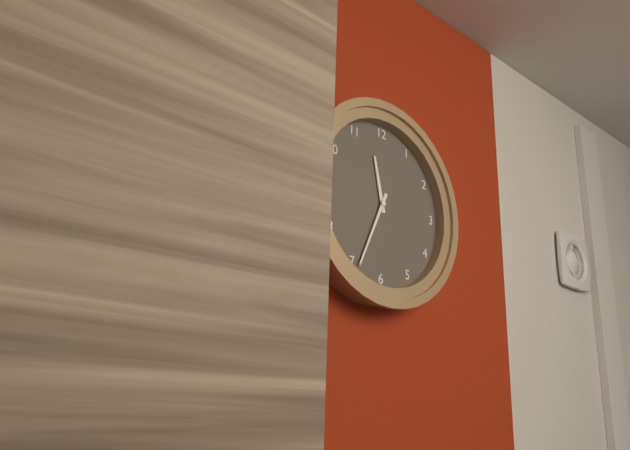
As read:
**11:34**
